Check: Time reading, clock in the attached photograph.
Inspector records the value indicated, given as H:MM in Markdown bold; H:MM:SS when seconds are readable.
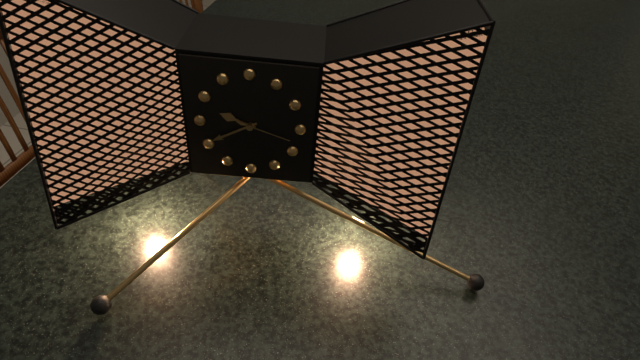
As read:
**9:40:18**
